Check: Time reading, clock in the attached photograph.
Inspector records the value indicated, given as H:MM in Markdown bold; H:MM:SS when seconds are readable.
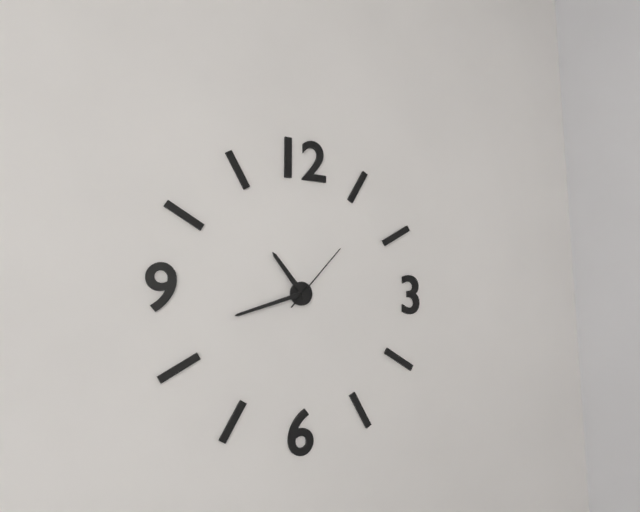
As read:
**10:42:07**
